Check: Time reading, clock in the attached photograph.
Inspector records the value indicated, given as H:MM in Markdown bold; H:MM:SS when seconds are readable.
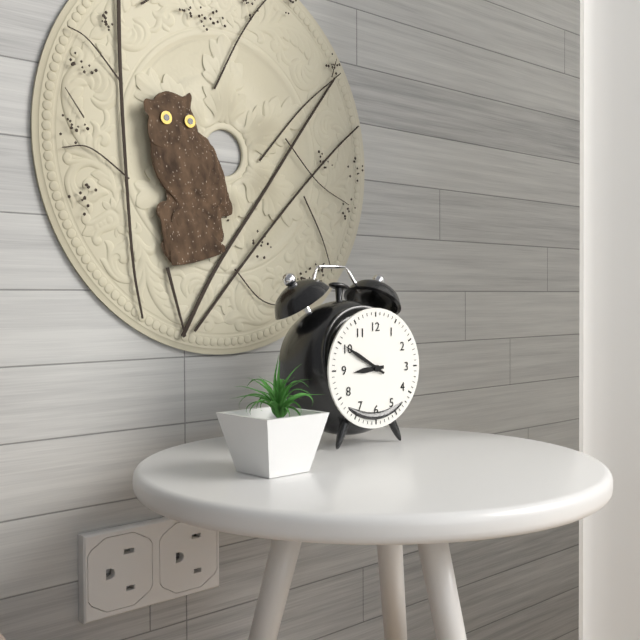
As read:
**8:50**
